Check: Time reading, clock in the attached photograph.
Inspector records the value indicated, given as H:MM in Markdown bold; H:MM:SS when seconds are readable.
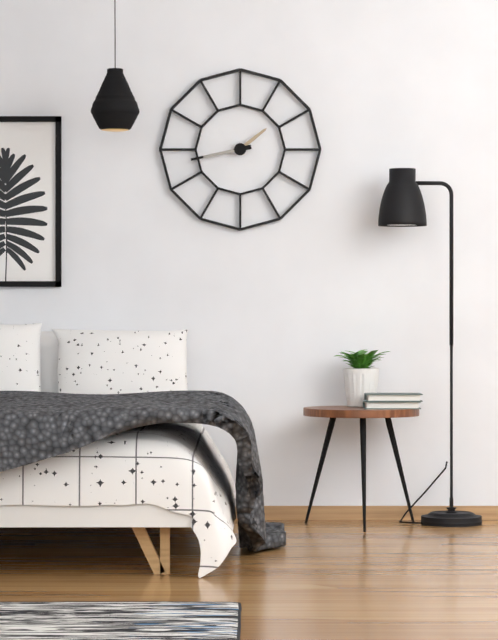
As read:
**1:43**
